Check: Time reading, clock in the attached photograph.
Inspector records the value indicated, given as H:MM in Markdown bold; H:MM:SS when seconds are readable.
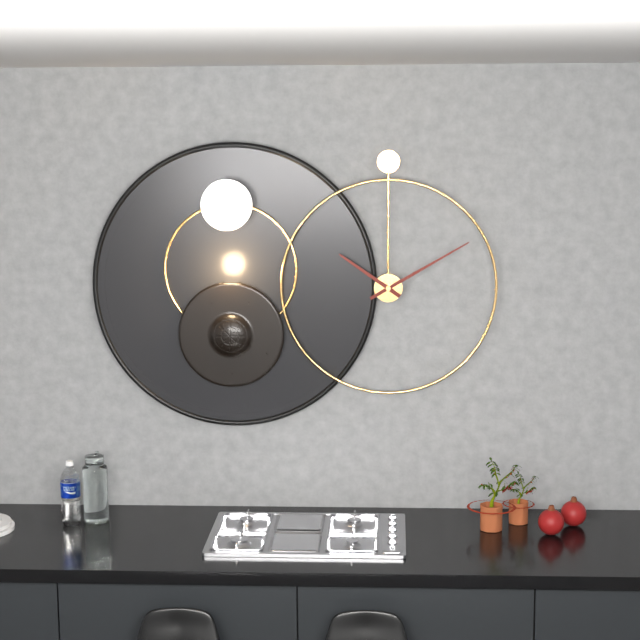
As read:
**10:10**
